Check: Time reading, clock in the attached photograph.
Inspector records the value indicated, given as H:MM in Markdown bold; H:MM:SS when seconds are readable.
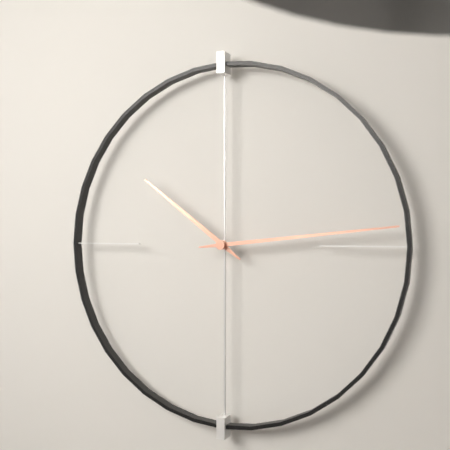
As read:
**10:14**
